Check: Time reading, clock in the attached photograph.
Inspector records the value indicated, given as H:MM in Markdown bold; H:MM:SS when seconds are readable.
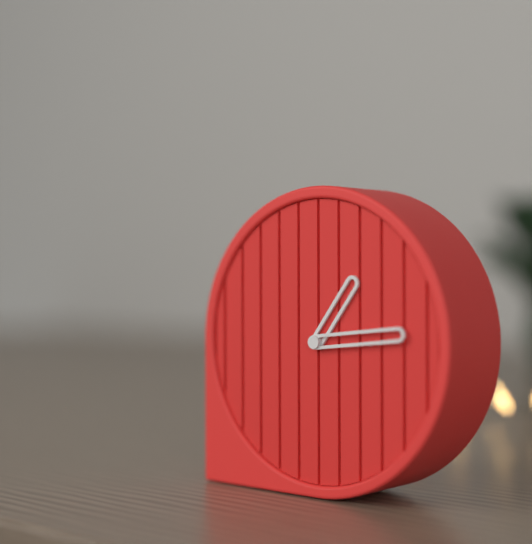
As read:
**1:14**
